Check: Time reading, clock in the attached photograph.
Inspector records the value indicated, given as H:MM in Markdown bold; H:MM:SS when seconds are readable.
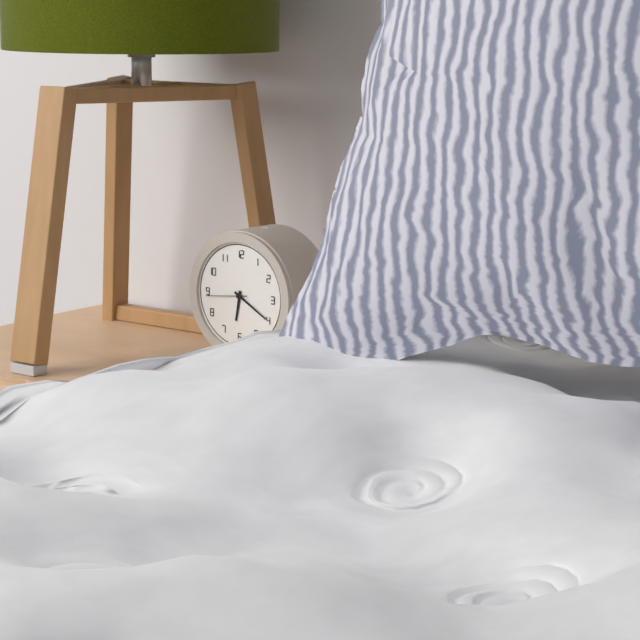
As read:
**6:20**
